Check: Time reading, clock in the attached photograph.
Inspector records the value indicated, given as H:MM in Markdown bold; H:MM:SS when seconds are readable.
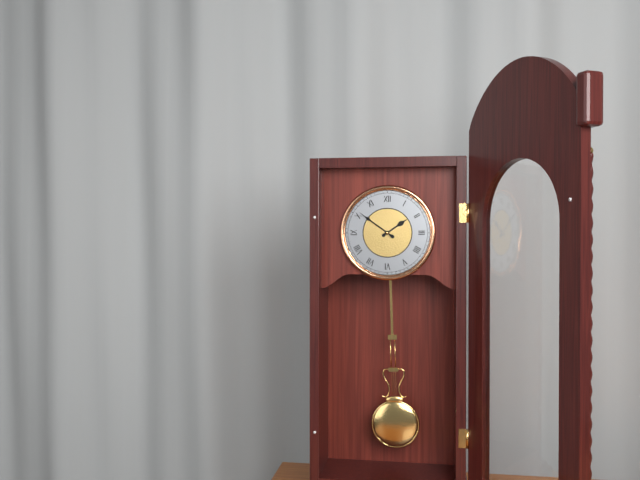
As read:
**1:51**
